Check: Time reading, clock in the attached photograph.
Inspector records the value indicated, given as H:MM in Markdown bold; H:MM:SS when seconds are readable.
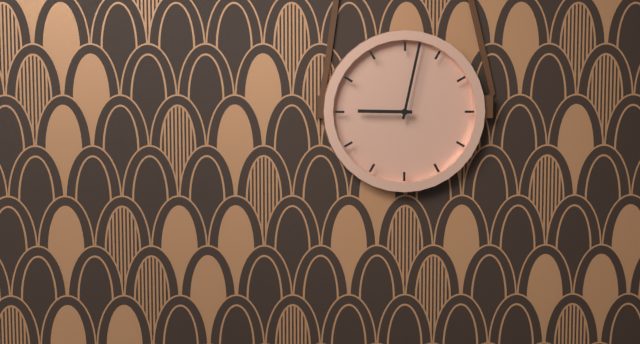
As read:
**9:02**
